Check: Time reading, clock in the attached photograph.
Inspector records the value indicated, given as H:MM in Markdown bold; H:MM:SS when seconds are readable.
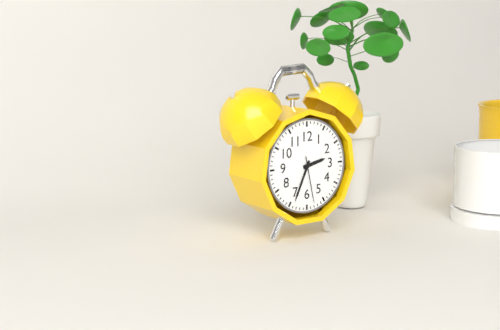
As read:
**2:34**
